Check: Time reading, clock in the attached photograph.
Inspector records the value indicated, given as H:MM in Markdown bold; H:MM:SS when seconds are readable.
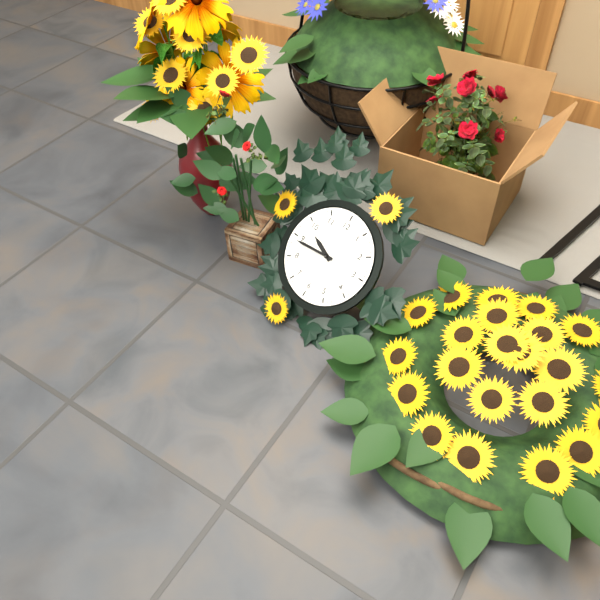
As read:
**9:44**
